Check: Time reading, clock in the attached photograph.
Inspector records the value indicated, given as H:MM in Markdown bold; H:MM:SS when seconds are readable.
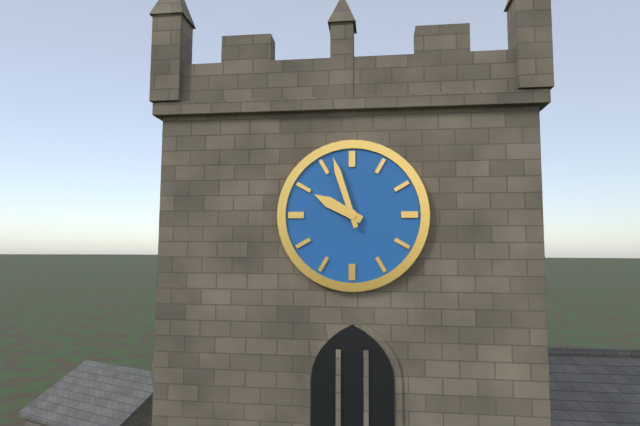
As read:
**9:57**
